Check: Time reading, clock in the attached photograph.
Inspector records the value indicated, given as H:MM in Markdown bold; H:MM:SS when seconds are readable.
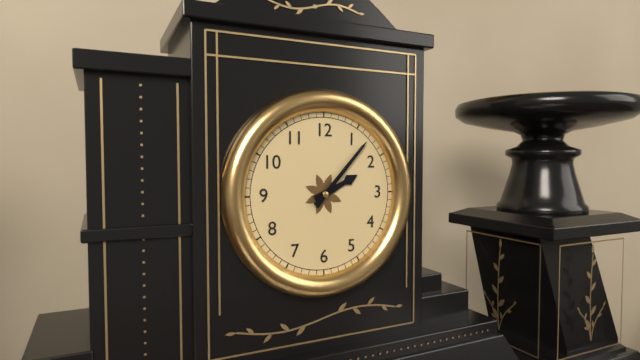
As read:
**2:07**
